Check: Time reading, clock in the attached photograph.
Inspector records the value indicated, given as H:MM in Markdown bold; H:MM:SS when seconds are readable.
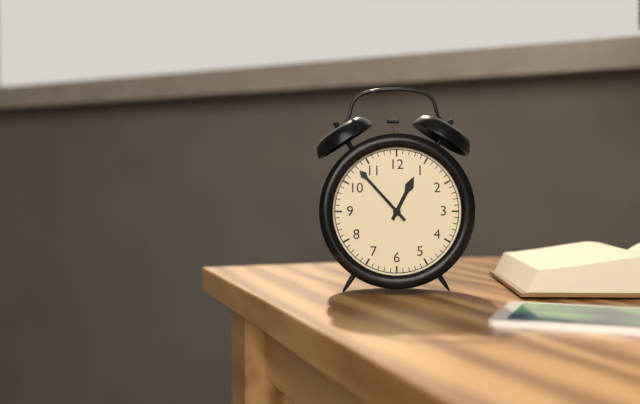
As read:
**12:53**
